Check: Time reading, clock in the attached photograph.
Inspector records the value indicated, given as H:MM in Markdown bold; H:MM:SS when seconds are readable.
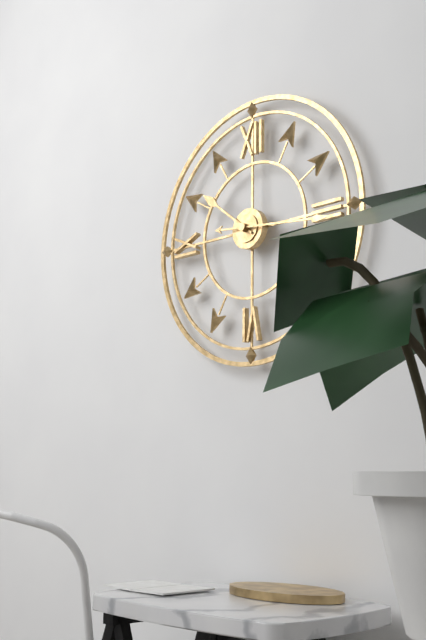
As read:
**10:16**
